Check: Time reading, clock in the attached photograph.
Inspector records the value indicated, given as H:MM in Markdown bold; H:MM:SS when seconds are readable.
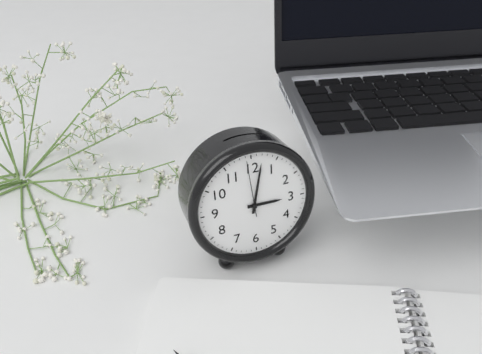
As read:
**3:02:59**
